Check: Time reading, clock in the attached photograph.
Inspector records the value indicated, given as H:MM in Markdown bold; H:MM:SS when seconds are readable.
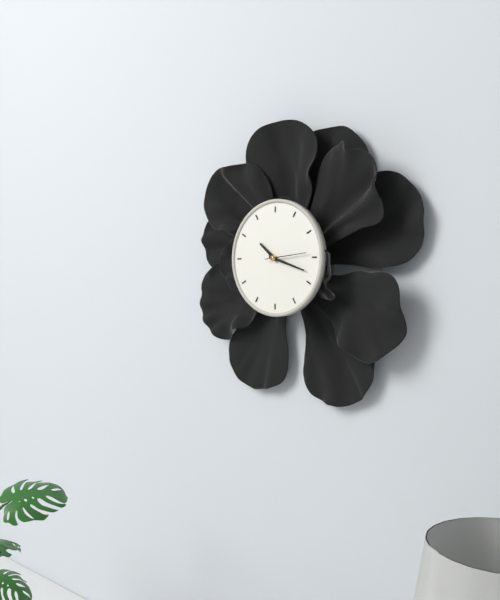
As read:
**10:18**
